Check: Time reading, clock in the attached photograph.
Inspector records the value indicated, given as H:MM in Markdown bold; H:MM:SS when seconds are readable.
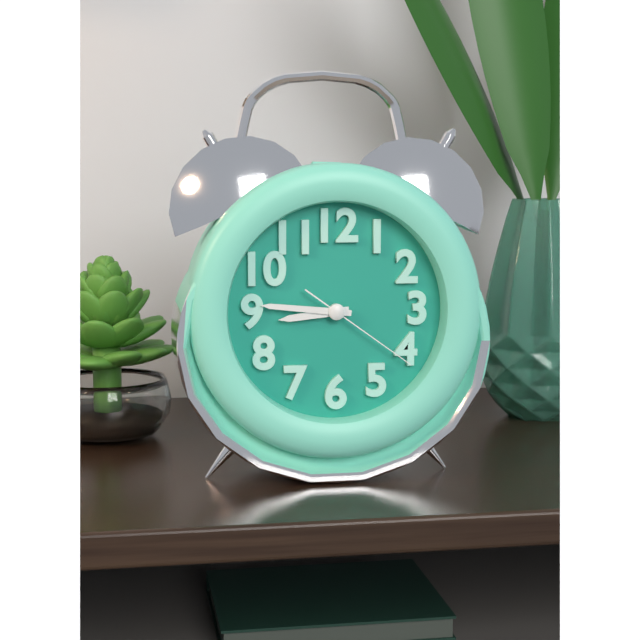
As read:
**8:46:21**
